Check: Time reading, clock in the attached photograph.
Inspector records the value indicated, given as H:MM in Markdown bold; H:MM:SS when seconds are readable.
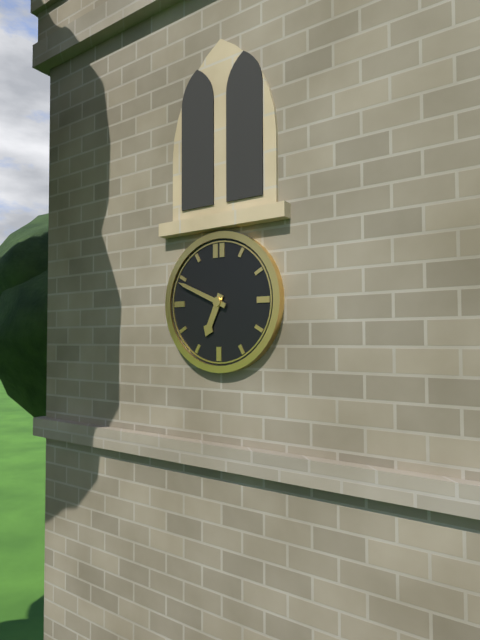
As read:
**6:49**
